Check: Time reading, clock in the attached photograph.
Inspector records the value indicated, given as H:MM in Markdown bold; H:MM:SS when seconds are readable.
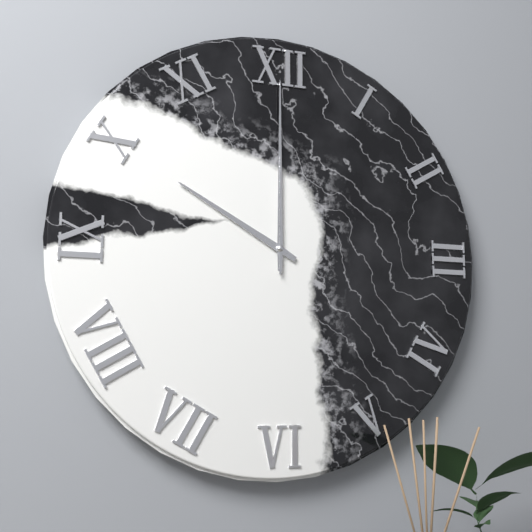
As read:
**10:00:00**
